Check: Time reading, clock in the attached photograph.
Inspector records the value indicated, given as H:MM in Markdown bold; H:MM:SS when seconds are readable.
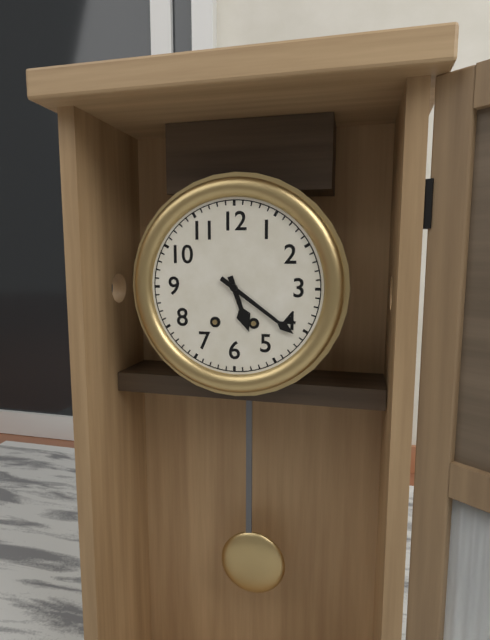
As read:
**5:21**
